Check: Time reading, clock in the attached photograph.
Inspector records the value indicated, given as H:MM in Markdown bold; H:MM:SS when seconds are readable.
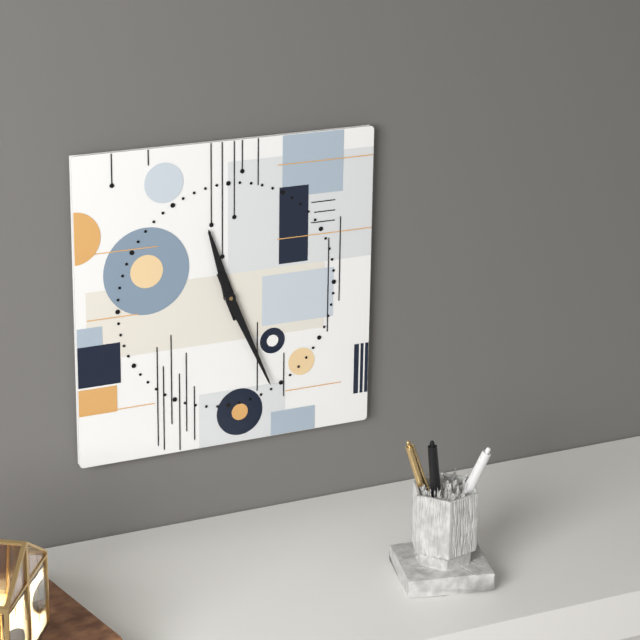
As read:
**11:26**
